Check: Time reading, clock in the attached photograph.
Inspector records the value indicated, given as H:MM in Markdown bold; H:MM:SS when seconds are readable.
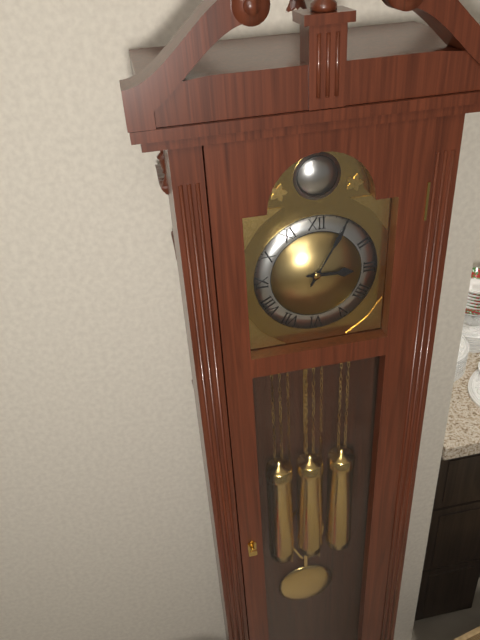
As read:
**3:05**
